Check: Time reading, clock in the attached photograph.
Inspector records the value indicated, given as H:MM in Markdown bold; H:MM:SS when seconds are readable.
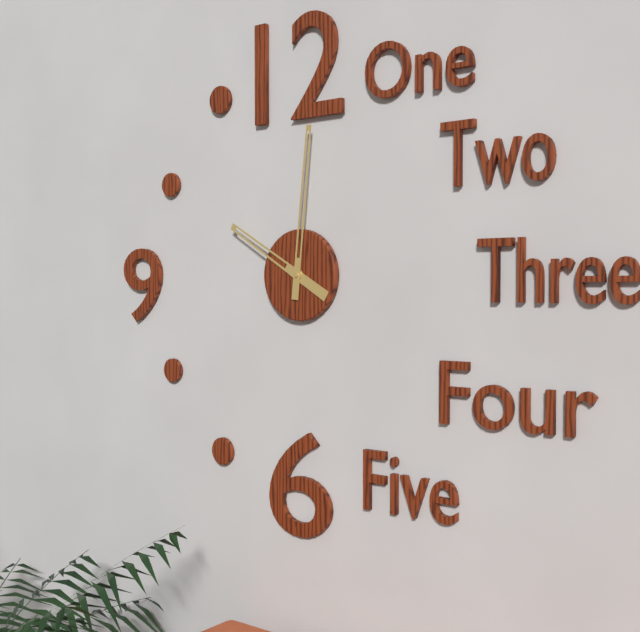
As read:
**10:01**
